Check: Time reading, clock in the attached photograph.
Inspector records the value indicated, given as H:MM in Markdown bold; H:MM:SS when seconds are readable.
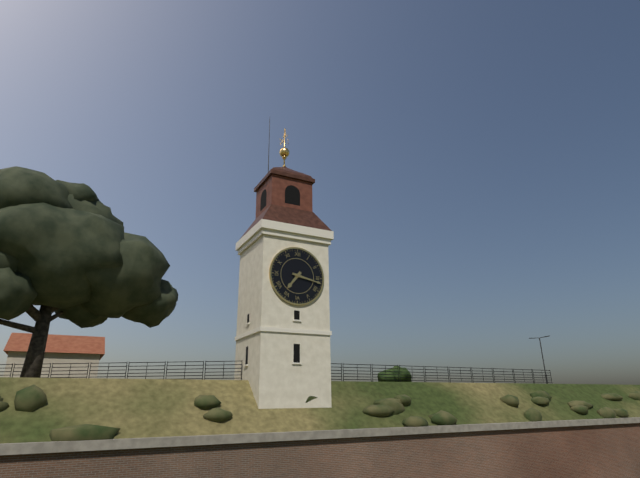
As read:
**7:17**
